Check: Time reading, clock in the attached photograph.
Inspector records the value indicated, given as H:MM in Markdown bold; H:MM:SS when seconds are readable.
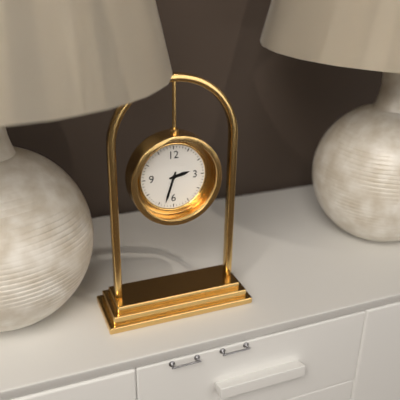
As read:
**2:33**
